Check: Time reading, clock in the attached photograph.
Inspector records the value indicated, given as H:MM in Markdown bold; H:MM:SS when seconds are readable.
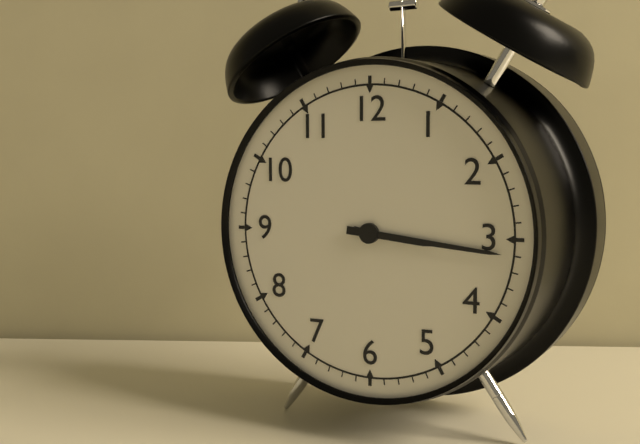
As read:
**3:16**
